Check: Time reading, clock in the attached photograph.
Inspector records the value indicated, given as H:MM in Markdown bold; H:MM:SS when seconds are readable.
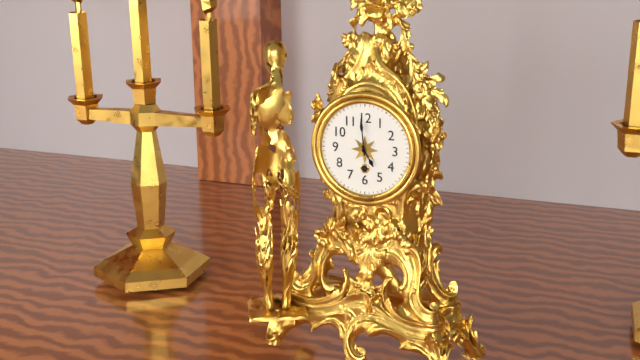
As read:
**4:59**
